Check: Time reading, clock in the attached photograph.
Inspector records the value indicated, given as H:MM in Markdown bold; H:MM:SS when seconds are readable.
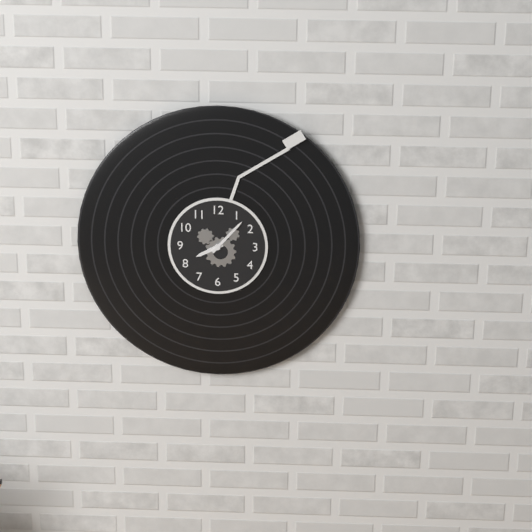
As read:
**8:07**
